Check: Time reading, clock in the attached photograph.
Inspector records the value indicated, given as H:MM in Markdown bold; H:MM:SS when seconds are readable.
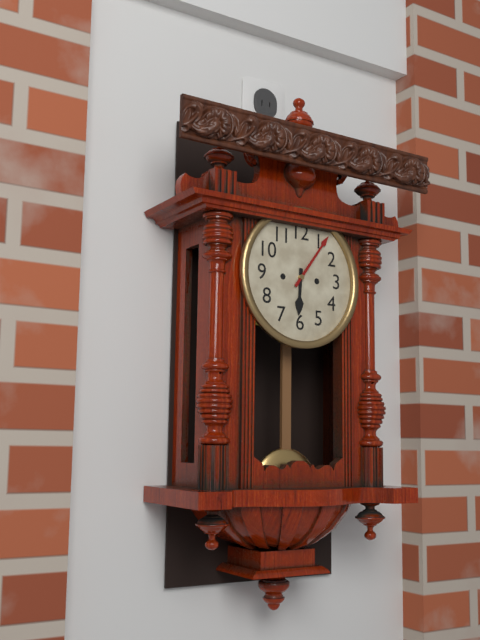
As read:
**6:06**
